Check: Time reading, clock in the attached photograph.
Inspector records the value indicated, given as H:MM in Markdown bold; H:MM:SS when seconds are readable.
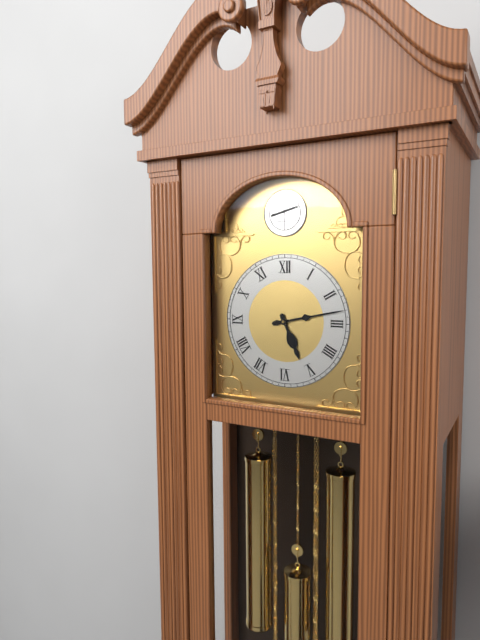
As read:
**5:13**
